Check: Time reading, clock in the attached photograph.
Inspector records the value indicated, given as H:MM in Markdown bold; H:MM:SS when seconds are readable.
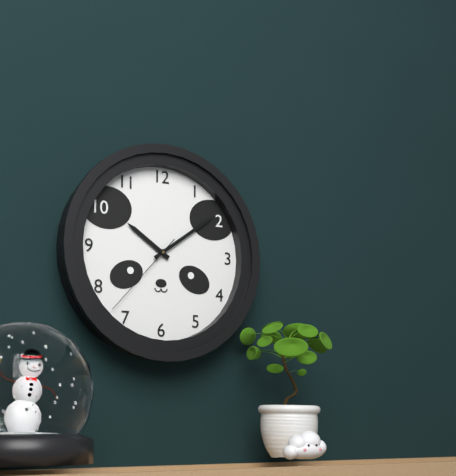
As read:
**10:09:37**
